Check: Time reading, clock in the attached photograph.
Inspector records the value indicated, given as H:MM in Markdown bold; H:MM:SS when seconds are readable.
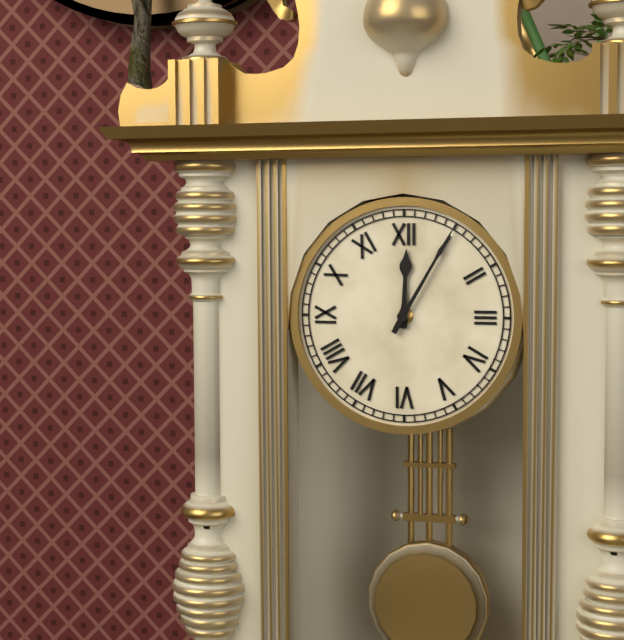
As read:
**12:05**
